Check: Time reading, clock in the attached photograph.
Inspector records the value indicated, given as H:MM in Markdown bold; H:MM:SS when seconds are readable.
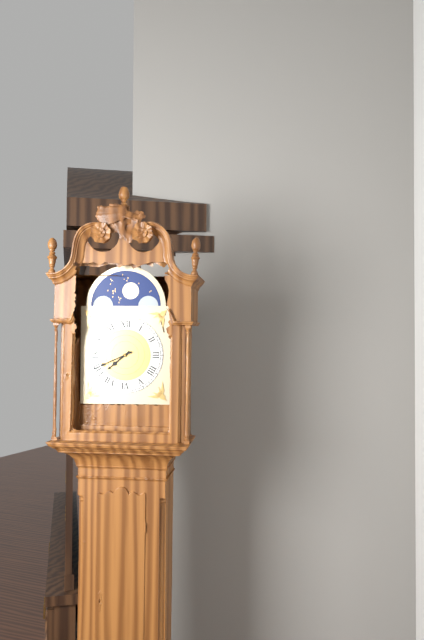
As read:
**7:41**
